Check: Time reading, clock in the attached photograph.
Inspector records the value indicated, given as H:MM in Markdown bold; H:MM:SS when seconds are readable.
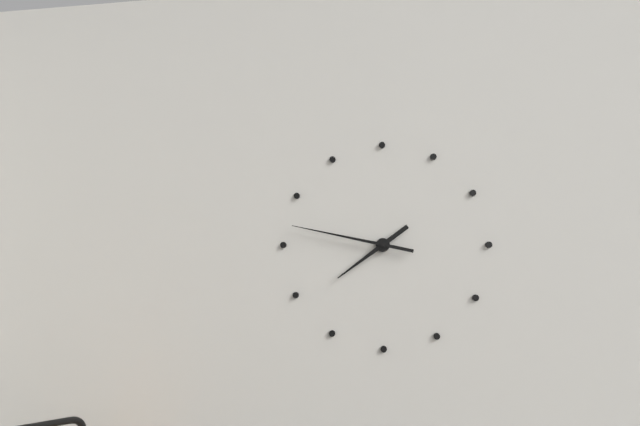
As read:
**7:47**
